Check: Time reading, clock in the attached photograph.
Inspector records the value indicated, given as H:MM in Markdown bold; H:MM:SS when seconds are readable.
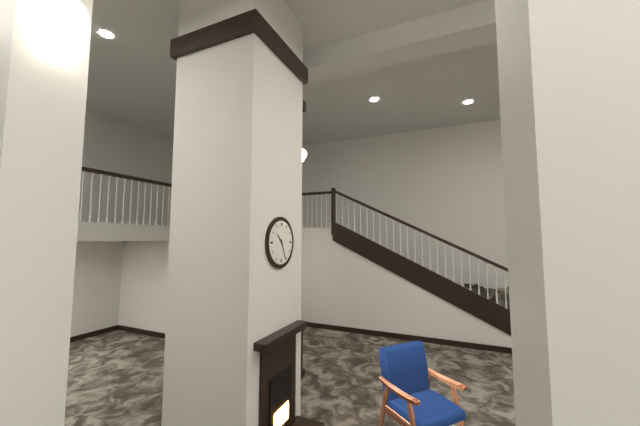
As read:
**10:26**
